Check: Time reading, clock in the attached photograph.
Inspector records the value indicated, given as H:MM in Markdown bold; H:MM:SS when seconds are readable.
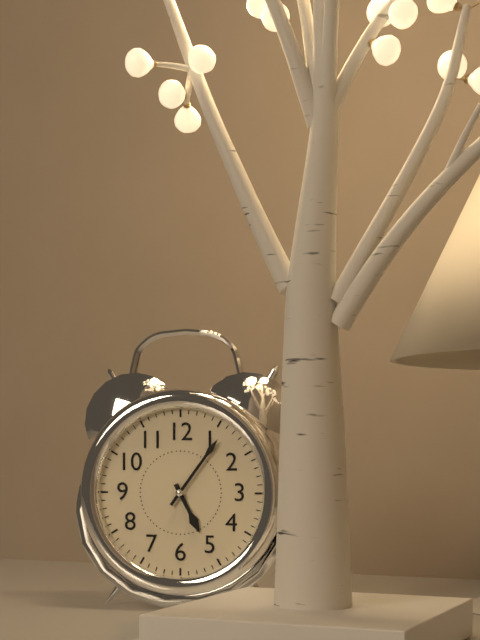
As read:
**5:06**
